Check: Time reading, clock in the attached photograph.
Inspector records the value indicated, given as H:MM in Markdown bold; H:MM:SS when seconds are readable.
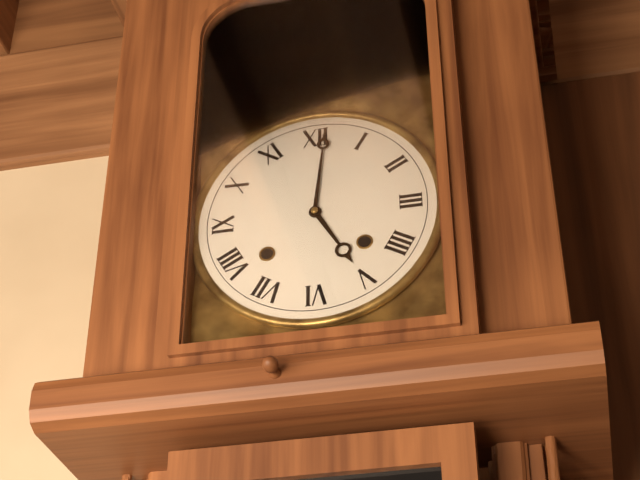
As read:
**5:01**
